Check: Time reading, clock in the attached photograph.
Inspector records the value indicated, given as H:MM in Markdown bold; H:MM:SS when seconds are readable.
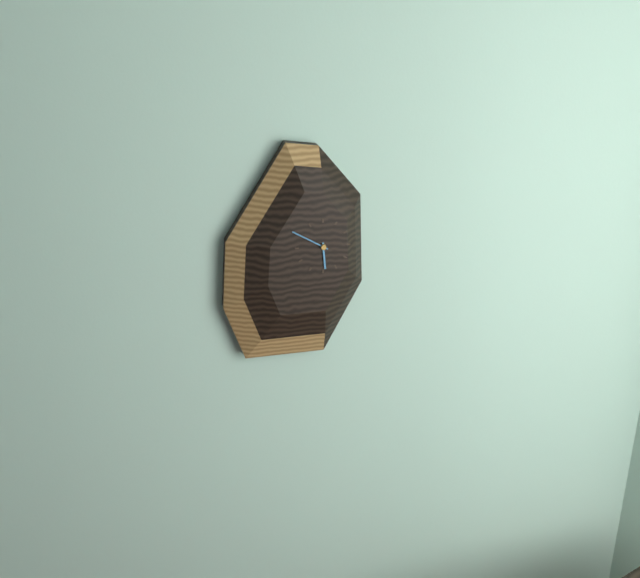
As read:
**5:50**
